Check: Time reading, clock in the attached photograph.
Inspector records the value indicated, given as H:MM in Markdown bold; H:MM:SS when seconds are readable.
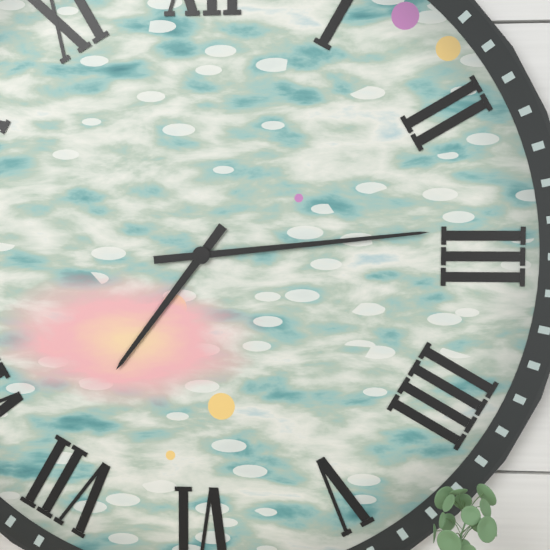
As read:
**7:14**
